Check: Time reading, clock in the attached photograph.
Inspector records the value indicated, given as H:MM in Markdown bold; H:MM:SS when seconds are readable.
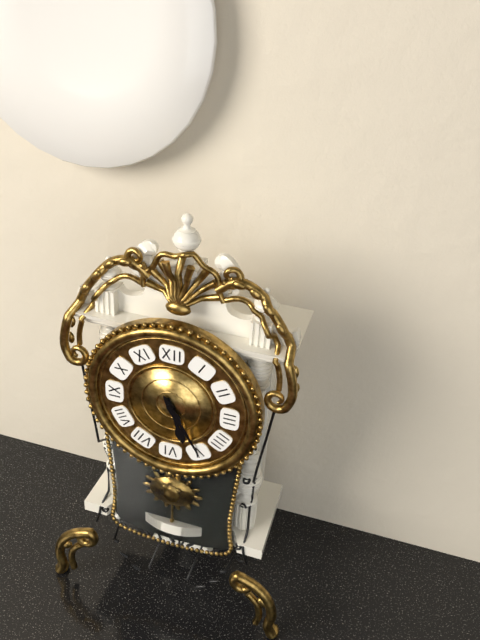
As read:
**5:25**
